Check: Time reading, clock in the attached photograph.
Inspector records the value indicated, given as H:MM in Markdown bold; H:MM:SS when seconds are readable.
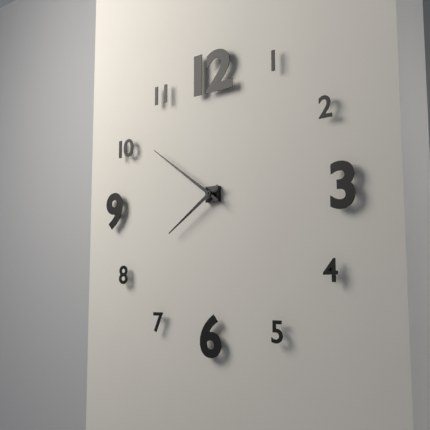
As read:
**7:51**
